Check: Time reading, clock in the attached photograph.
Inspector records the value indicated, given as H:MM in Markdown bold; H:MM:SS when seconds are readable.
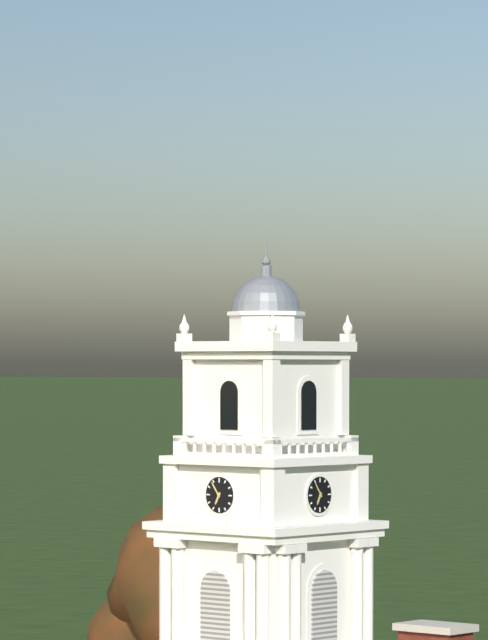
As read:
**6:54**
